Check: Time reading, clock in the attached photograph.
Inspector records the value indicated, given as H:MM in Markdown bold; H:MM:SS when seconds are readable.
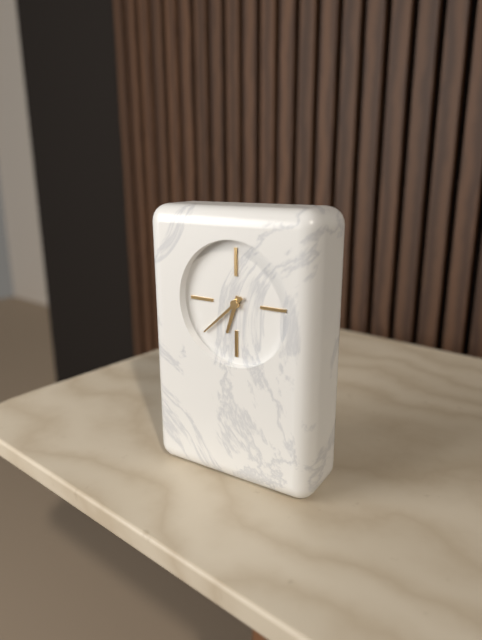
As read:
**6:38**
